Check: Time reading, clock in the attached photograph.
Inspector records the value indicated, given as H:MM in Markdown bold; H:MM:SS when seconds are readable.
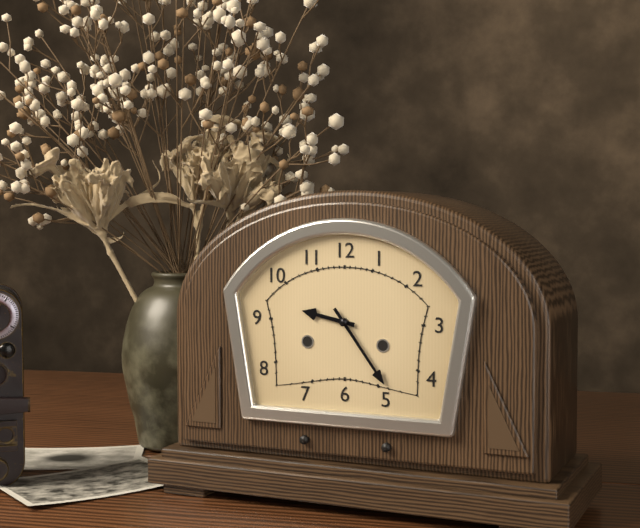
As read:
**9:24**
